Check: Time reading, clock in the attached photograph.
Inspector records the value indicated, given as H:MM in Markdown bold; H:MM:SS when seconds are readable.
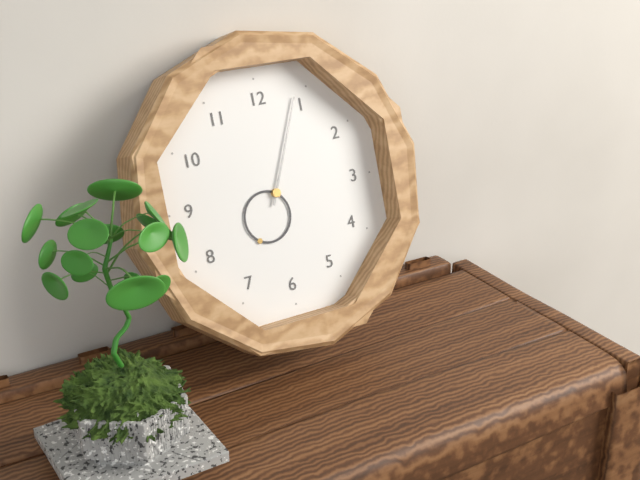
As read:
**7:04**
